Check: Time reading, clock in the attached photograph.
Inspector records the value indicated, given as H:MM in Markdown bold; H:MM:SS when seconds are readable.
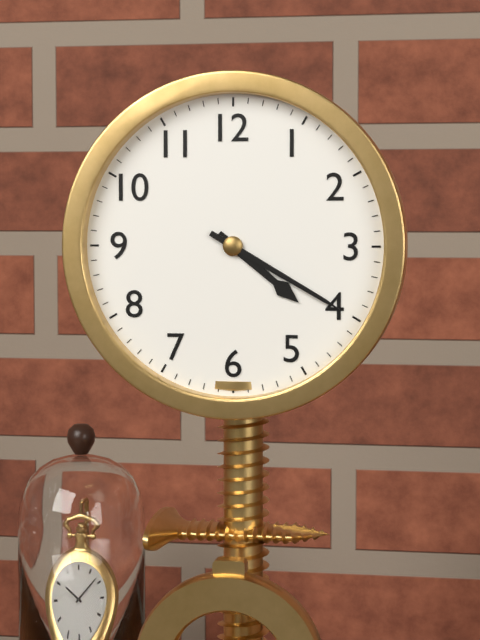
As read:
**4:20**
